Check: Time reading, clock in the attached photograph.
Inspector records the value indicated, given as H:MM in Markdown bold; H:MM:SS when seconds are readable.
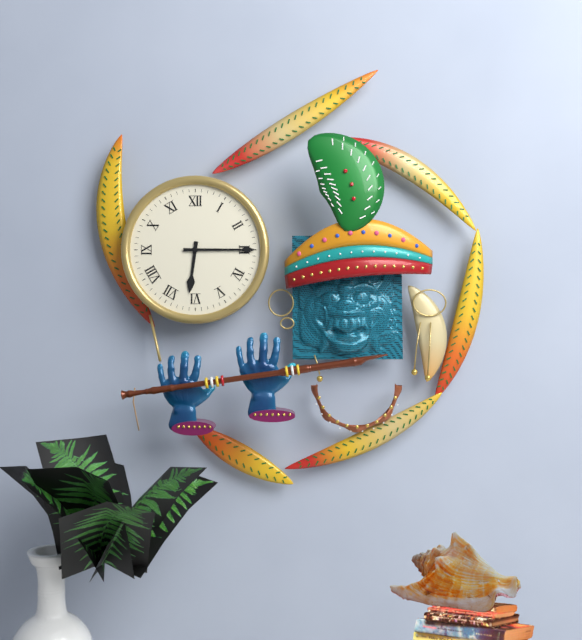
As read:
**6:15**
